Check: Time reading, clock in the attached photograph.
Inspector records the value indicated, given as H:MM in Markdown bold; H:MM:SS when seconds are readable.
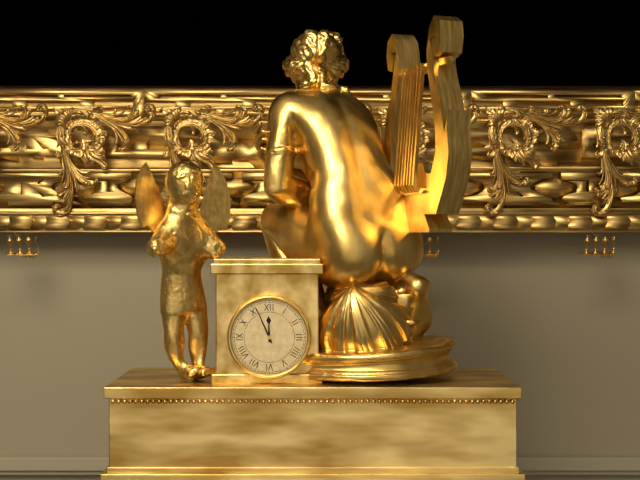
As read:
**11:56**
